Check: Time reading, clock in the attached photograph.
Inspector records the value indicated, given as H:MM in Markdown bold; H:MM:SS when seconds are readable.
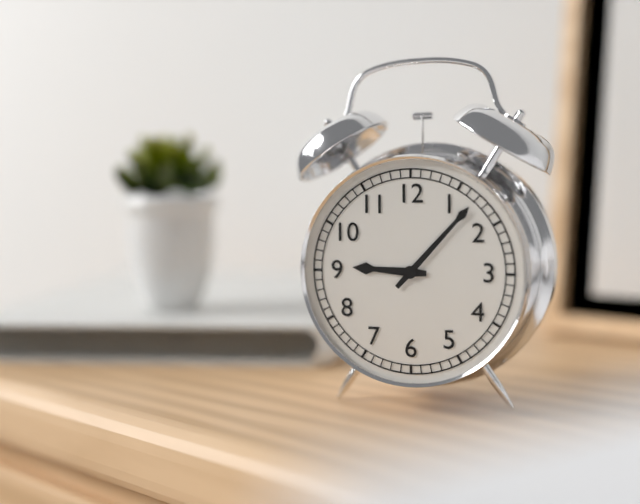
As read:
**9:07**
